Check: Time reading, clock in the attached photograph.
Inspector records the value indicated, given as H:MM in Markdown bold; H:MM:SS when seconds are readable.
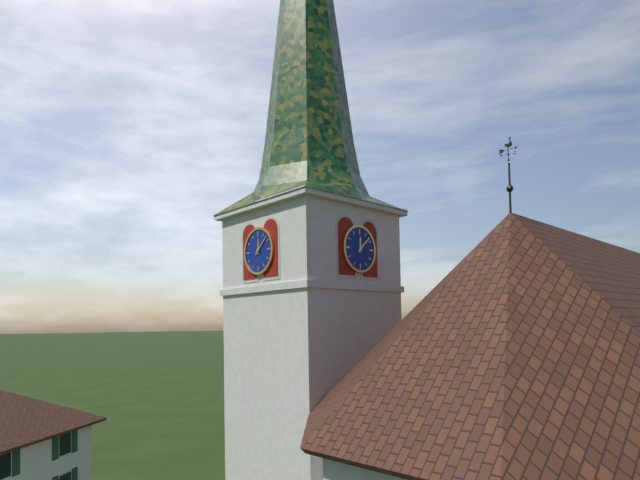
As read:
**12:08**
